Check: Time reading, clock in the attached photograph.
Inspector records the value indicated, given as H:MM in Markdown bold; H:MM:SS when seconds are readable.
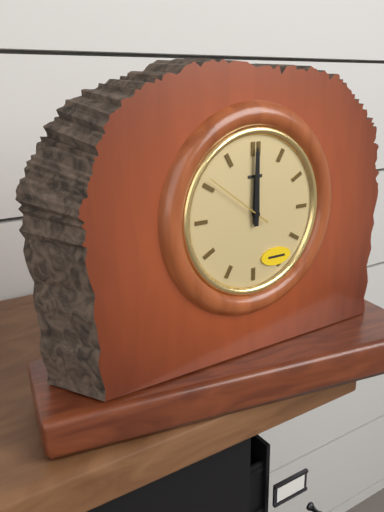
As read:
**12:00**
